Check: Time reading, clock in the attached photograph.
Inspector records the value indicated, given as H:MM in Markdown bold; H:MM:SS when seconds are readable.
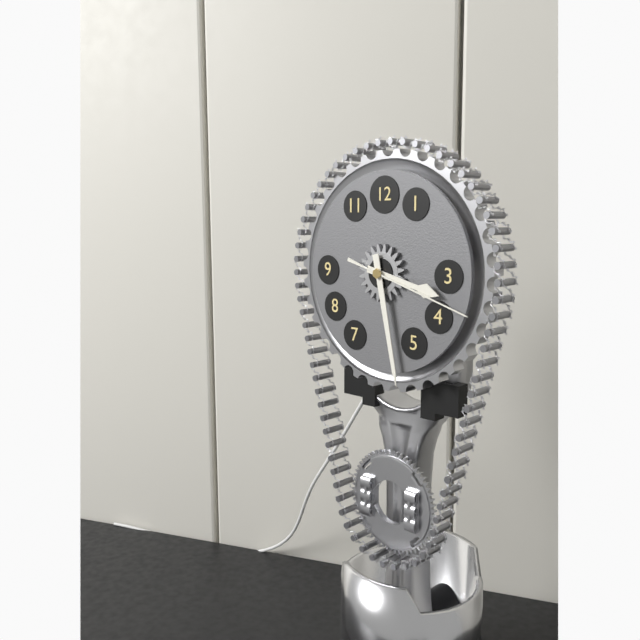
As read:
**3:28:18**
